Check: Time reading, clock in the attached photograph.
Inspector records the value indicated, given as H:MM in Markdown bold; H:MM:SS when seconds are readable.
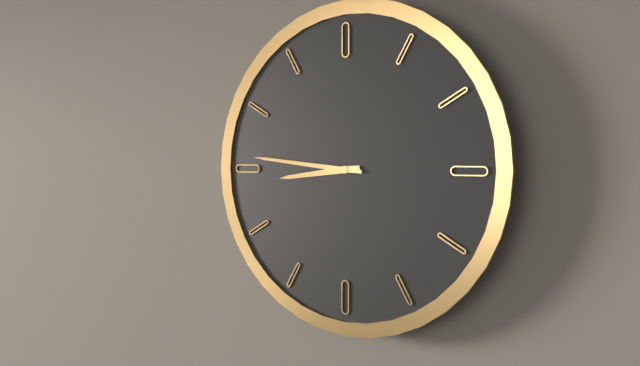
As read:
**8:46**
